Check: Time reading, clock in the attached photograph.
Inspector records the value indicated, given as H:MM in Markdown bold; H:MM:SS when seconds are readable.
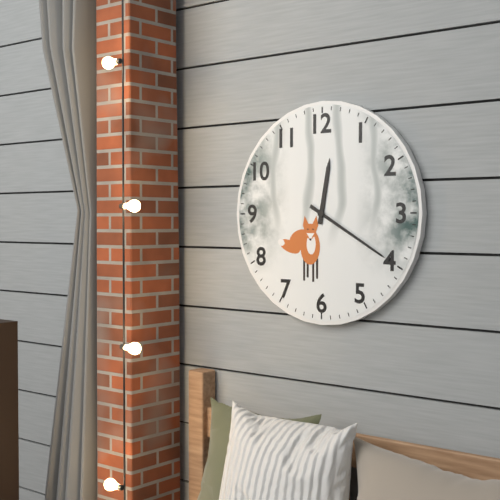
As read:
**12:20**
